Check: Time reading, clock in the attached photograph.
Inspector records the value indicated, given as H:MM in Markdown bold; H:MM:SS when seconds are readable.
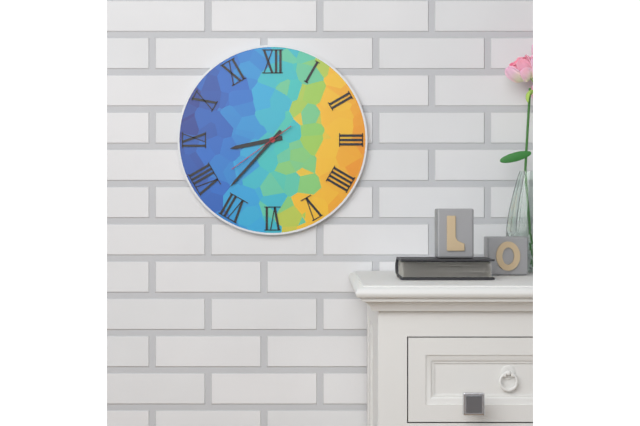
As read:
**8:37:39**
